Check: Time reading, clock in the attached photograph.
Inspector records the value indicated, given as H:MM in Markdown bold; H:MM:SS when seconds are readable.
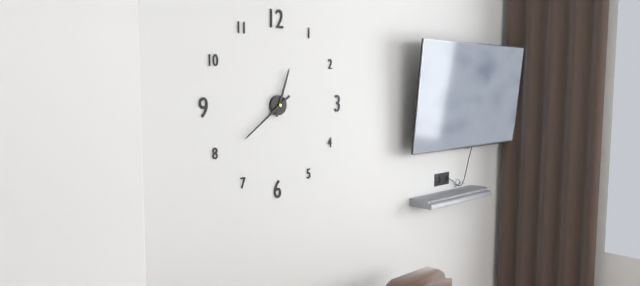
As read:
**12:39**
